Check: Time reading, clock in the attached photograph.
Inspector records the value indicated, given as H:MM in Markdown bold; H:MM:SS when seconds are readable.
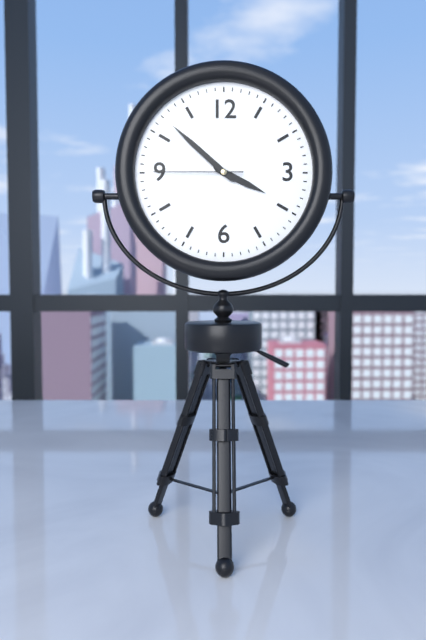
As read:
**3:52:45**
